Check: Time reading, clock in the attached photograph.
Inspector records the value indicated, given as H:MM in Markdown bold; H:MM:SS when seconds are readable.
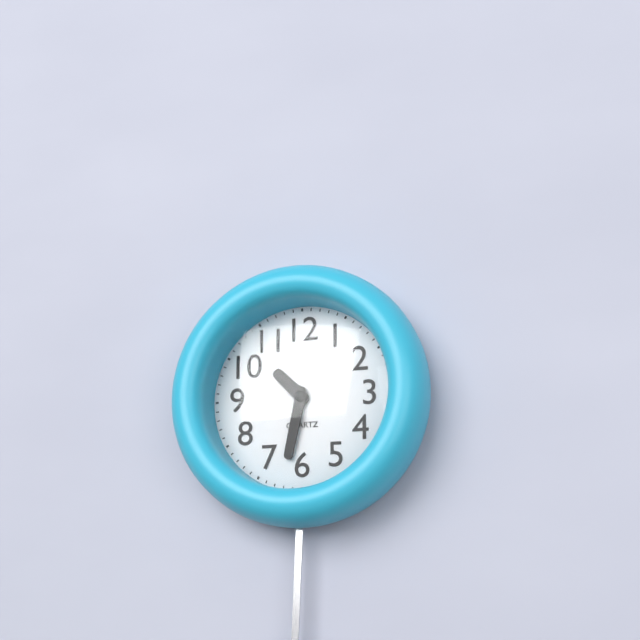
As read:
**10:32**
